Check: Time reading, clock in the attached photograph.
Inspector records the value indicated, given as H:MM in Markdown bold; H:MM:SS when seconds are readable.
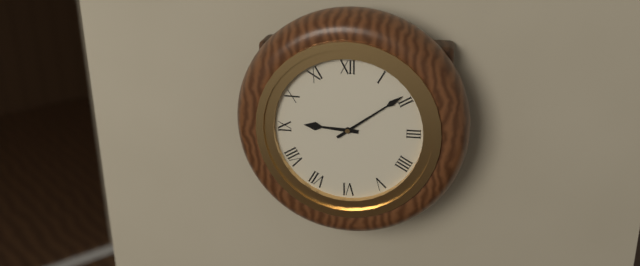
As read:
**9:09**
